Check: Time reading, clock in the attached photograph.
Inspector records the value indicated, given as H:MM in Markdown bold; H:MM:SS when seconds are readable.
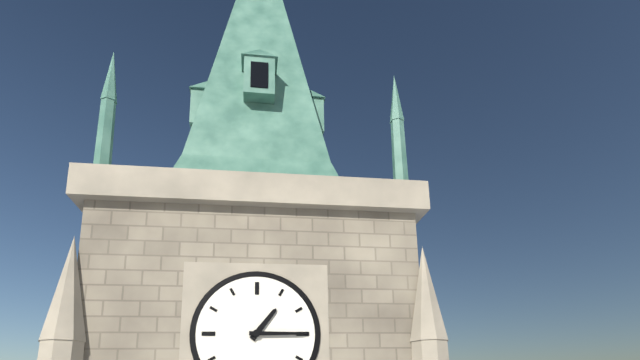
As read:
**1:15**
